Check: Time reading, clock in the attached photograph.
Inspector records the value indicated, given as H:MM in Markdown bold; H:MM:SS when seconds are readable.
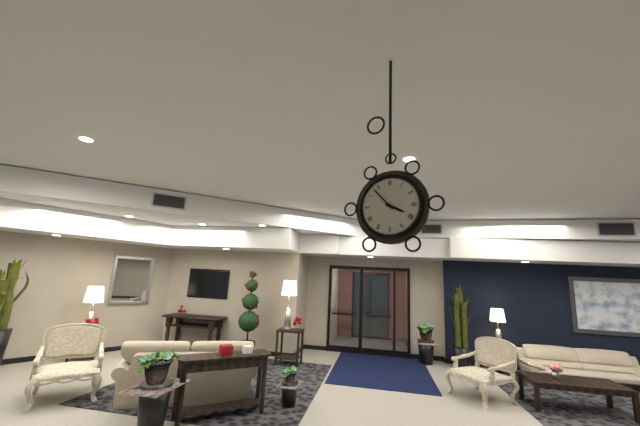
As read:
**3:53**
